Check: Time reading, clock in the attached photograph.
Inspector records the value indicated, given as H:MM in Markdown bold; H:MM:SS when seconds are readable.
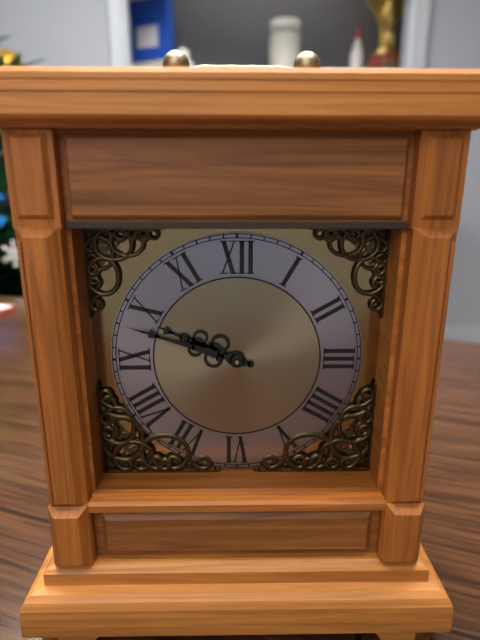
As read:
**9:48**
